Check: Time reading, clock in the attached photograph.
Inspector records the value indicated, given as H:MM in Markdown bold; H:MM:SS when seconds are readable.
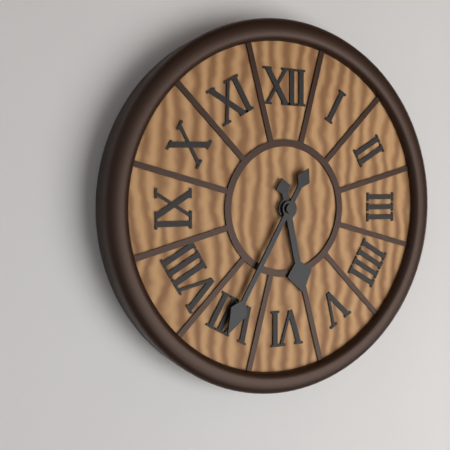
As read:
**5:35**
